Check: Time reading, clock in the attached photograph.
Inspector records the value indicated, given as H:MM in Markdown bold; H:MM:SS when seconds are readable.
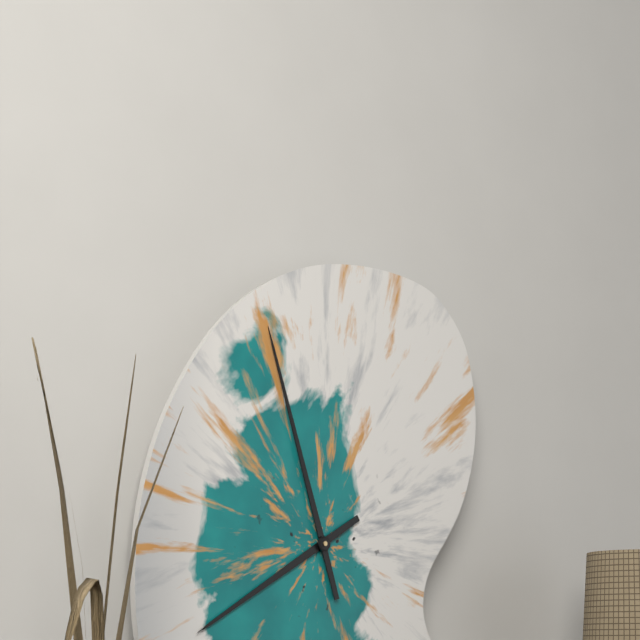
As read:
**7:57**
